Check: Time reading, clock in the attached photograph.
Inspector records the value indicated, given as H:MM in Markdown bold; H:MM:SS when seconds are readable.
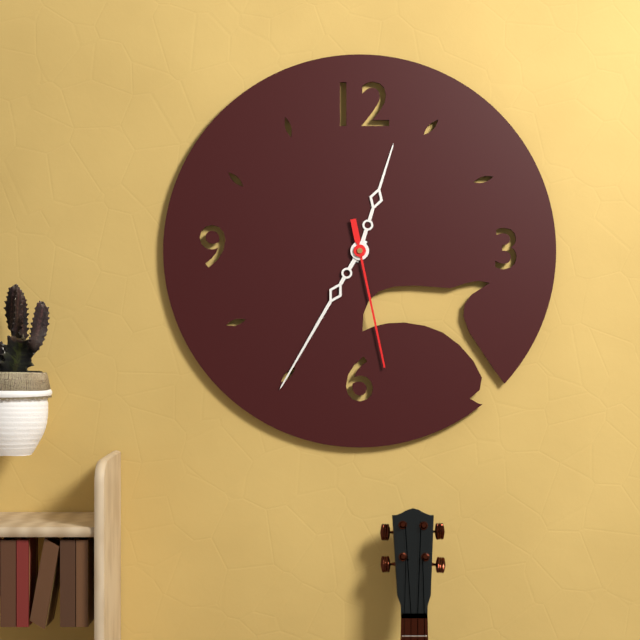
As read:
**12:35:28**
